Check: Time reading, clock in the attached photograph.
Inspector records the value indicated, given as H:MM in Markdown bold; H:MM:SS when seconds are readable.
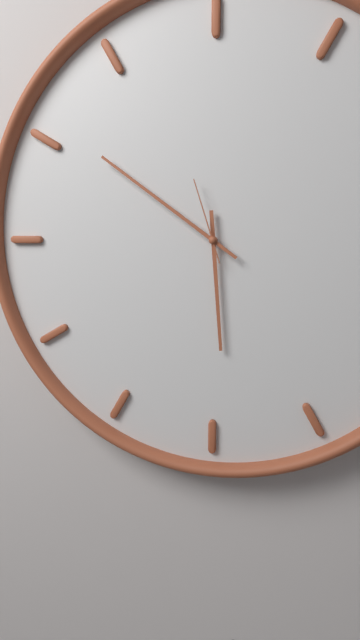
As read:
**5:51:57**
